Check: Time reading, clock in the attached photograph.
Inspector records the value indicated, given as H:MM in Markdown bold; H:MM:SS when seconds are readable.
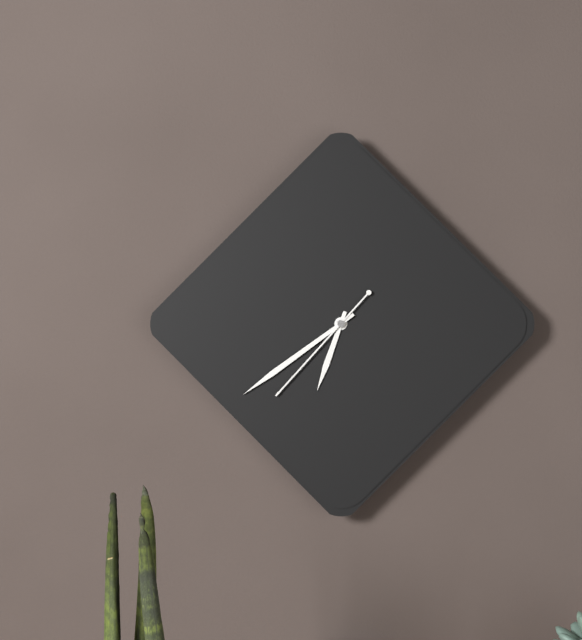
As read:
**6:39:37**
